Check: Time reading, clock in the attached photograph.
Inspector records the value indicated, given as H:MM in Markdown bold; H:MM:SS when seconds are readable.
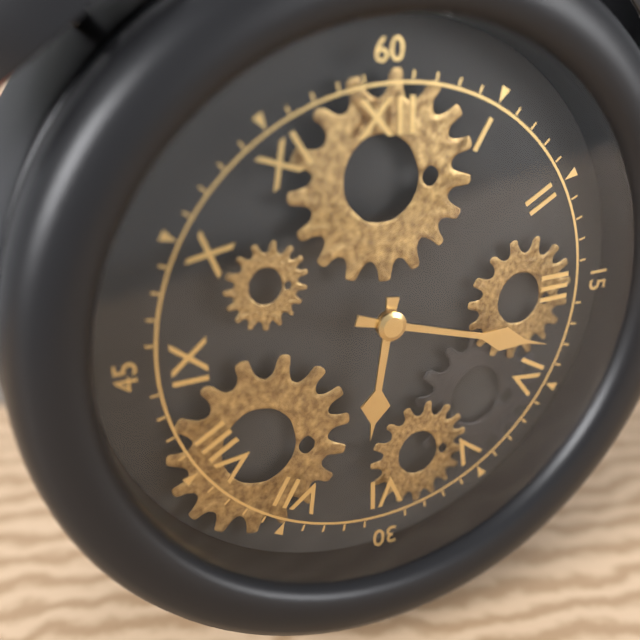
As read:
**6:18**
